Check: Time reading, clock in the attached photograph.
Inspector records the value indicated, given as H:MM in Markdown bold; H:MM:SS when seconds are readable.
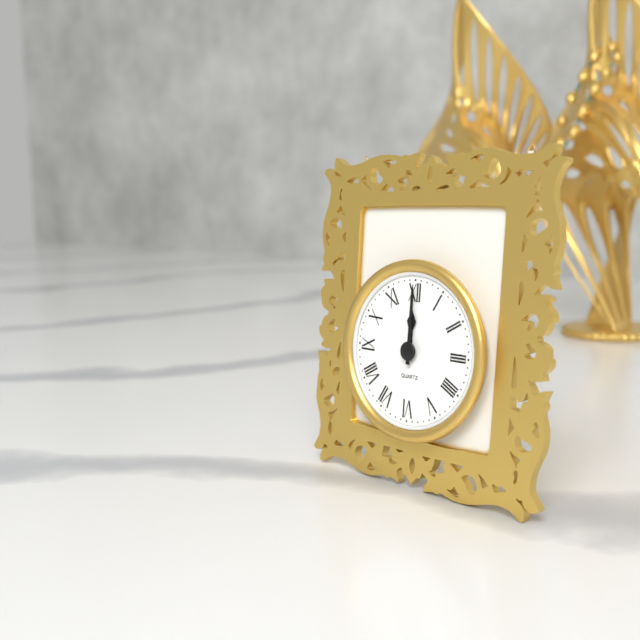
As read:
**12:00**
